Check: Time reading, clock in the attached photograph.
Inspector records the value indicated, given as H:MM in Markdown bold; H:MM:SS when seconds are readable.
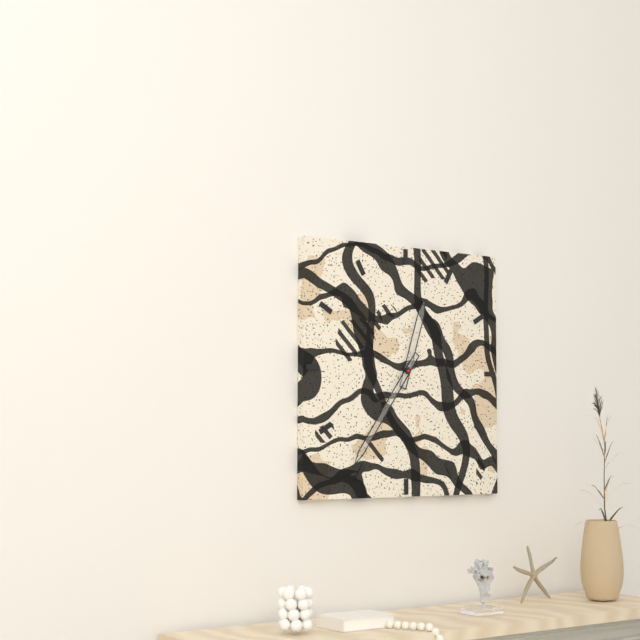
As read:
**12:36**
